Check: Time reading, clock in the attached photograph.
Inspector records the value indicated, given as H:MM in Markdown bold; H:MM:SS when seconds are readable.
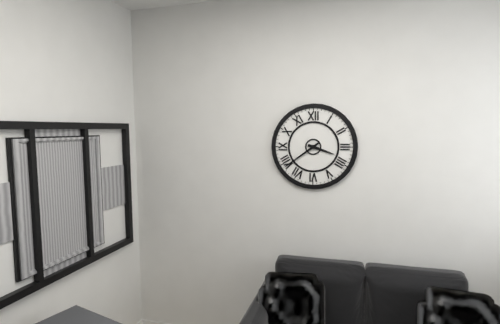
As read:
**3:39**
